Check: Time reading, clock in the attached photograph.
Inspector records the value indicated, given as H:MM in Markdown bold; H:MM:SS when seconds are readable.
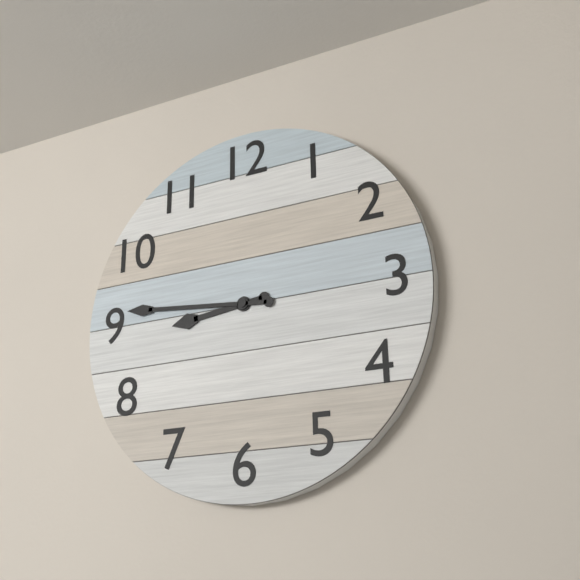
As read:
**8:46**
